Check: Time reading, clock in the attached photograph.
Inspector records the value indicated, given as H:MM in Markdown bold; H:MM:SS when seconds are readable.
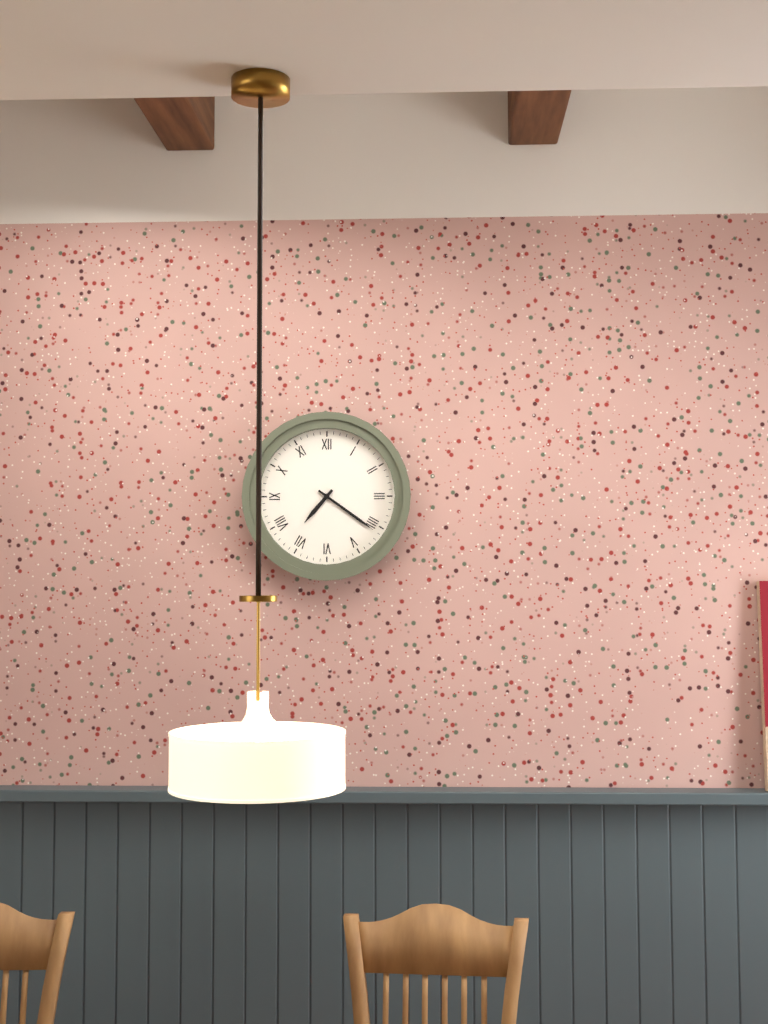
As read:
**7:21**
